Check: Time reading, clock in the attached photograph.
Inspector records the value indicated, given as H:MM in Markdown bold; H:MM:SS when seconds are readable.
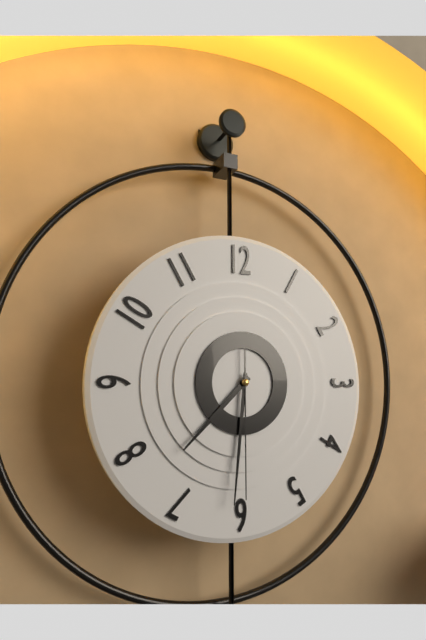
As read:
**7:31:30**
